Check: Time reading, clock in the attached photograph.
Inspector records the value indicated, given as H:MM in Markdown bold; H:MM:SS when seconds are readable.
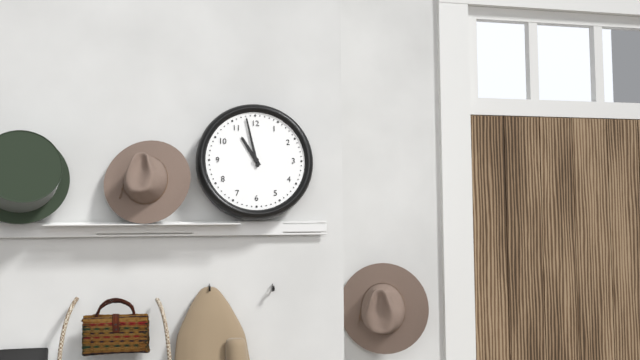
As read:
**10:58**
